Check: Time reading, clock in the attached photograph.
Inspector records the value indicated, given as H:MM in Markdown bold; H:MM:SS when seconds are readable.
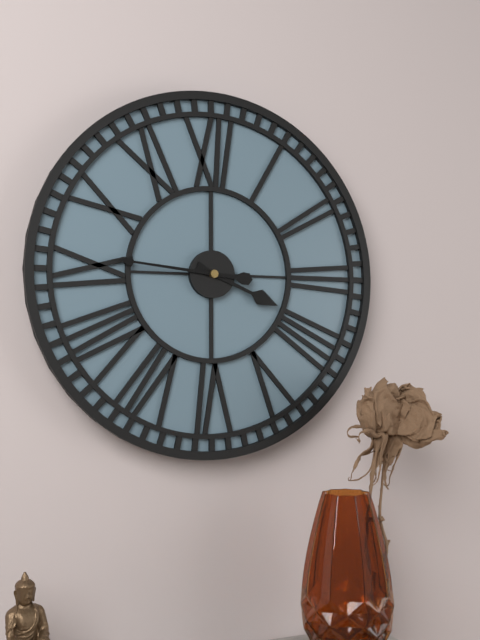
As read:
**3:46**
